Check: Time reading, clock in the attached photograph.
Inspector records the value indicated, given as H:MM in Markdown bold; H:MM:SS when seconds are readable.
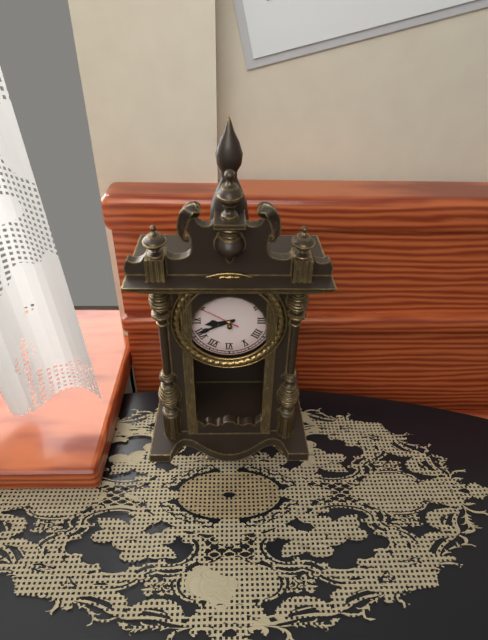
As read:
**8:41**
